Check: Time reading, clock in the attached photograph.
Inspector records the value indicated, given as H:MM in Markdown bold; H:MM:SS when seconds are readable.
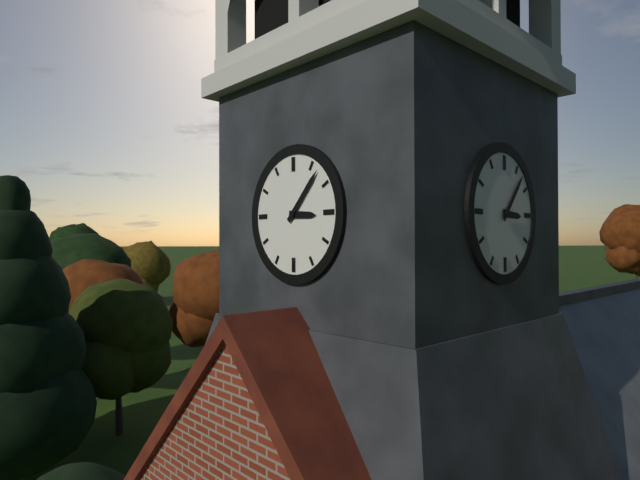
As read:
**3:07**
